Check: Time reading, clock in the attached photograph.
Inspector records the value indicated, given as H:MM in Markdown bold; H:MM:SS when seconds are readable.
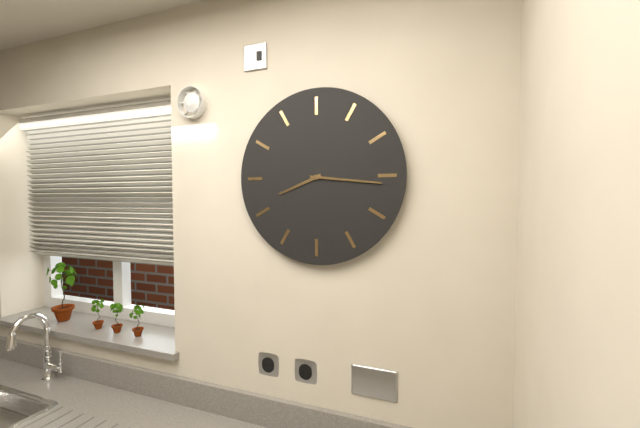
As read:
**8:16**
